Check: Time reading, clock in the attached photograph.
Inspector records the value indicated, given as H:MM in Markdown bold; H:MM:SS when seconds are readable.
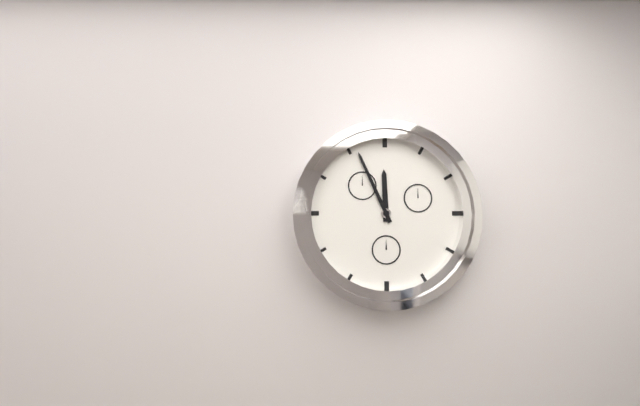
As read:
**11:56**
